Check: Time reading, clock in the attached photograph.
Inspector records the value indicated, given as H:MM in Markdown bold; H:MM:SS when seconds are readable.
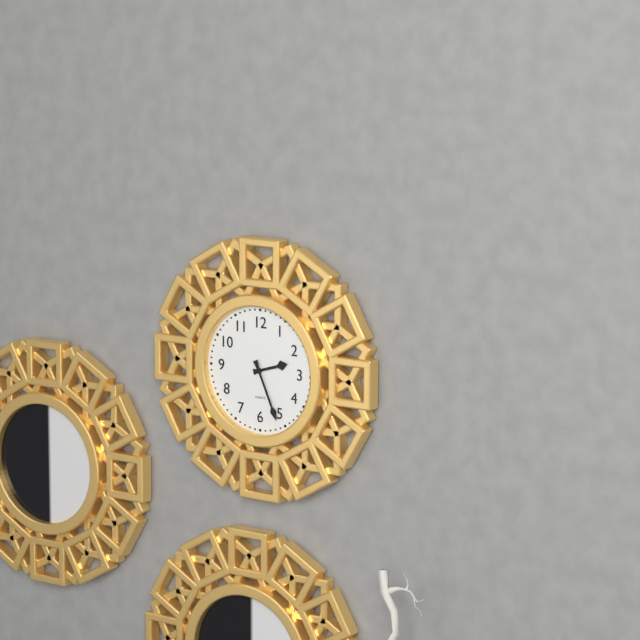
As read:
**2:26**
